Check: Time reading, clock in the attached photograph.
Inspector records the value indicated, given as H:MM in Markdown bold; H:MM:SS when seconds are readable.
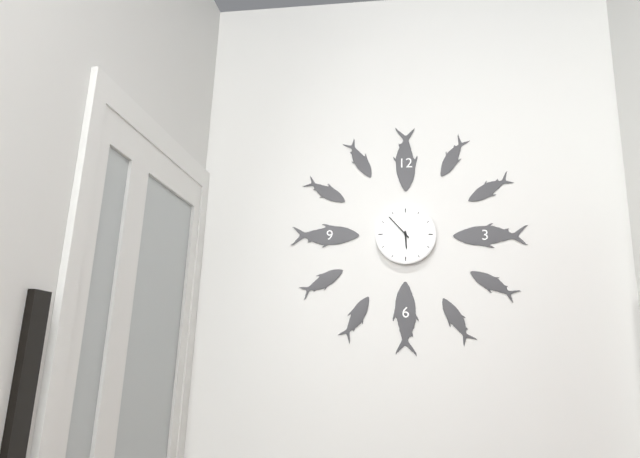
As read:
**5:53**
